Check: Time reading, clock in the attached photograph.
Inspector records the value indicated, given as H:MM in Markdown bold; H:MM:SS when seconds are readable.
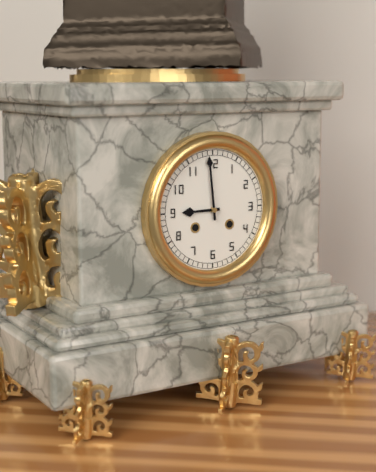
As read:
**8:59**
